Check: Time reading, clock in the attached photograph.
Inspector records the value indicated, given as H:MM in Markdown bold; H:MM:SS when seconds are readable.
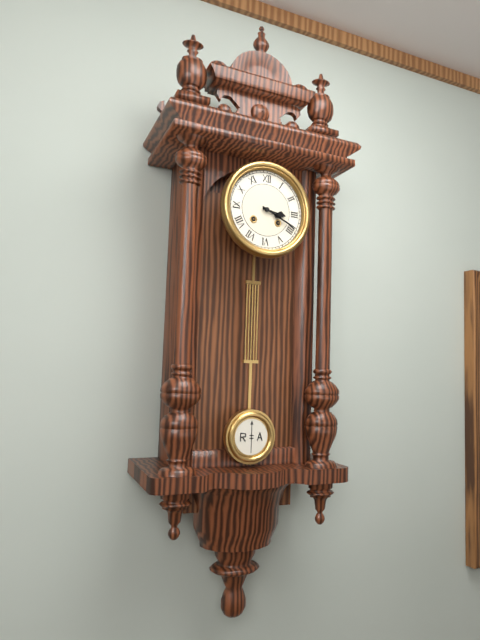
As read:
**3:19**
